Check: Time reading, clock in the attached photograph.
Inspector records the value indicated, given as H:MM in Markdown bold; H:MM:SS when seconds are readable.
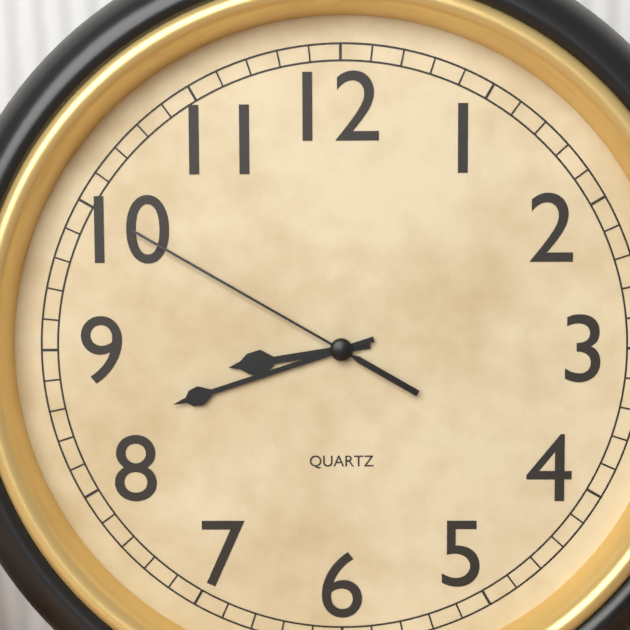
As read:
**8:42:50**
